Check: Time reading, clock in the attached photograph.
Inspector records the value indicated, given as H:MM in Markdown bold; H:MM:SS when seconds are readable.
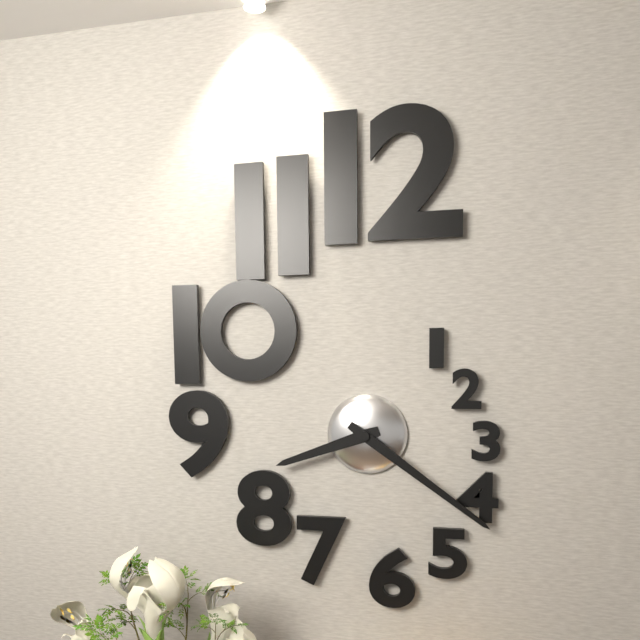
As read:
**8:21**
